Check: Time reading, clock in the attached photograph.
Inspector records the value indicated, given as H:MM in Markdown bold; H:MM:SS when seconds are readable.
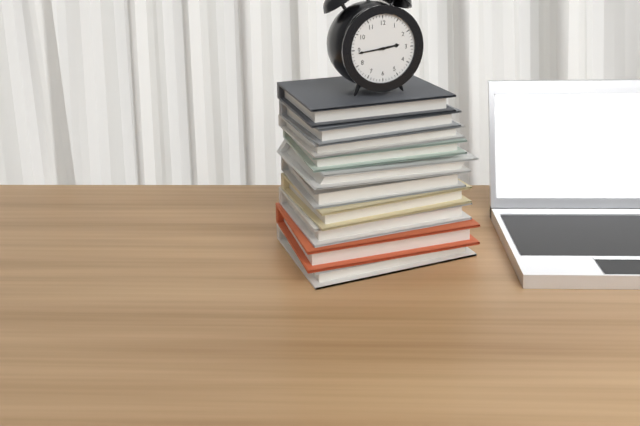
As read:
**2:44**
